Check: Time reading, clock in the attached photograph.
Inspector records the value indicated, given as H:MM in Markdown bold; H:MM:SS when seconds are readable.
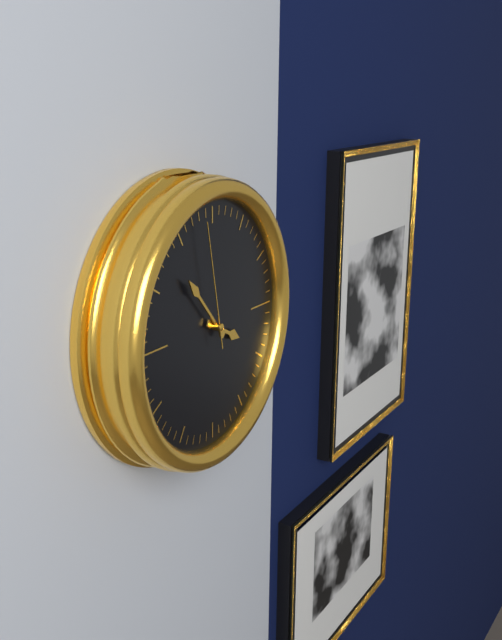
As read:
**3:53:58**
